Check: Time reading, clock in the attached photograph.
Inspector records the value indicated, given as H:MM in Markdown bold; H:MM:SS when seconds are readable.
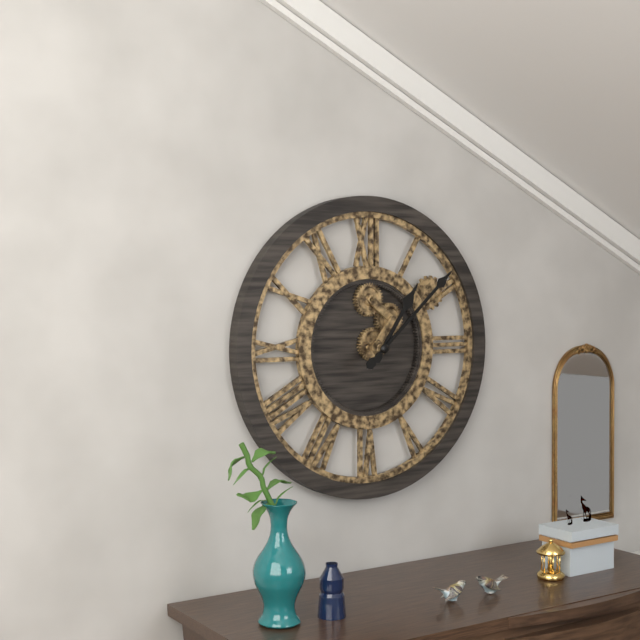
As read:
**1:08**
